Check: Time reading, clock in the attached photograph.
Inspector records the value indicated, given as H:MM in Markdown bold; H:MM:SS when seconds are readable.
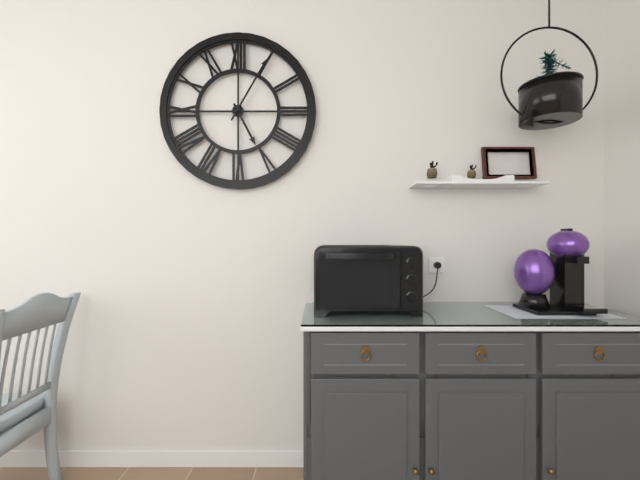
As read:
**5:05**
